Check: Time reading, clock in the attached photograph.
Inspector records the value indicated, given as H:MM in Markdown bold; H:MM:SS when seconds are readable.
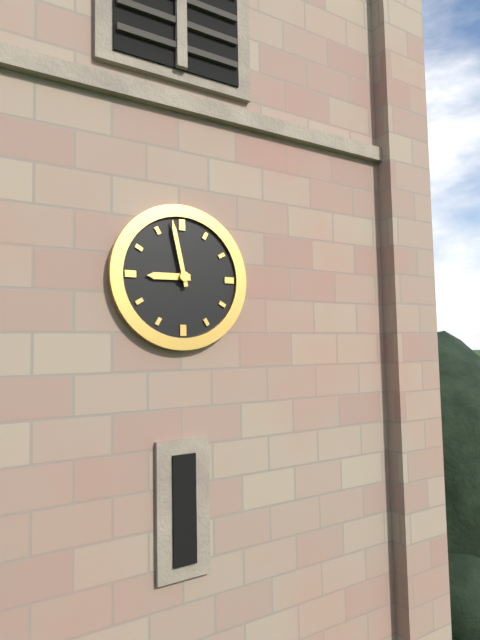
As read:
**8:58**
